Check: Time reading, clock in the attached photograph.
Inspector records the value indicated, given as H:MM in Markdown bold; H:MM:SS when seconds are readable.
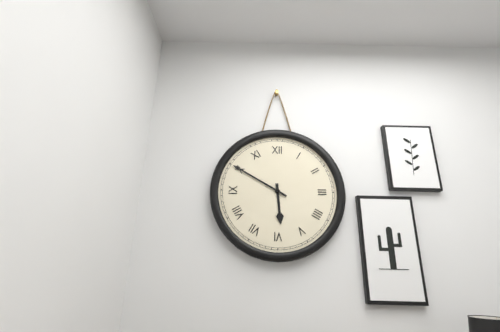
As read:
**5:50**
